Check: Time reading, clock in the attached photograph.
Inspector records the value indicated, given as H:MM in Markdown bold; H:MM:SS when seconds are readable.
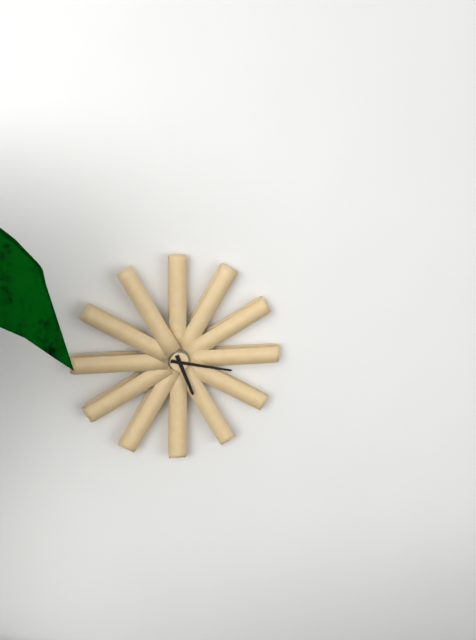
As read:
**5:17**
